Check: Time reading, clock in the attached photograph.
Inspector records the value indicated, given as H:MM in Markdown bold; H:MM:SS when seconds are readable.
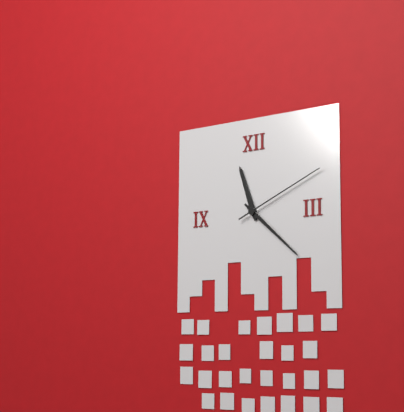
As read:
**11:22:11**
